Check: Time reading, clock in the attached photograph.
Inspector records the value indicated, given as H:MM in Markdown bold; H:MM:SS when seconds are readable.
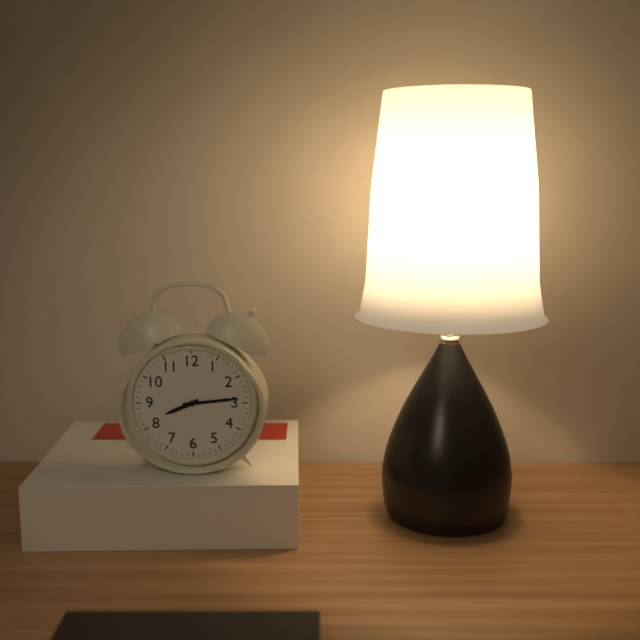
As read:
**8:14**
